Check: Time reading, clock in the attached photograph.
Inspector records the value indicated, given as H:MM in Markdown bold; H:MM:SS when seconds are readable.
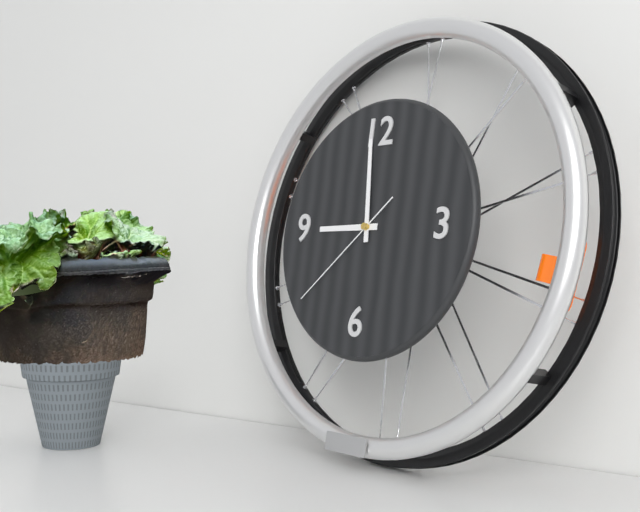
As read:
**8:59:38**
